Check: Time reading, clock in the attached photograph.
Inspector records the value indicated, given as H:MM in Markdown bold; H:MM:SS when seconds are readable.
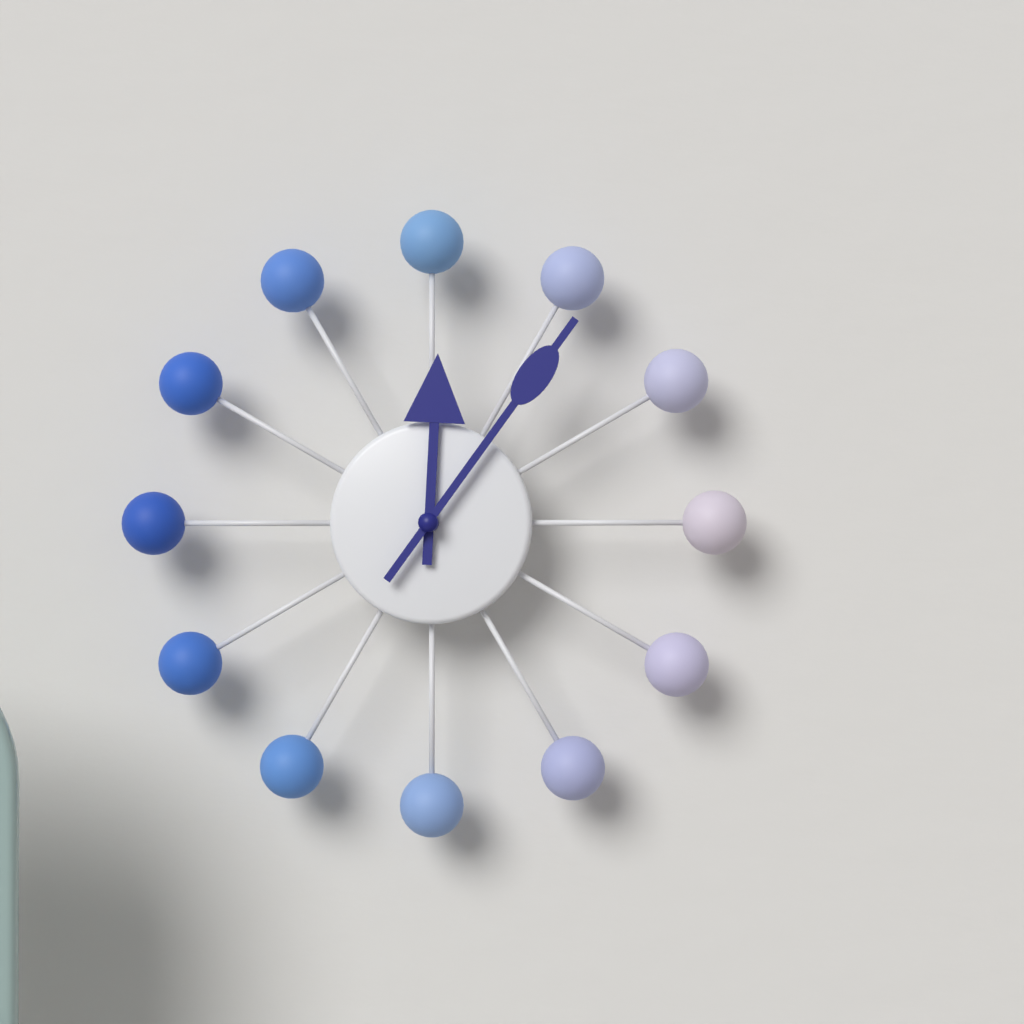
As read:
**12:06**
